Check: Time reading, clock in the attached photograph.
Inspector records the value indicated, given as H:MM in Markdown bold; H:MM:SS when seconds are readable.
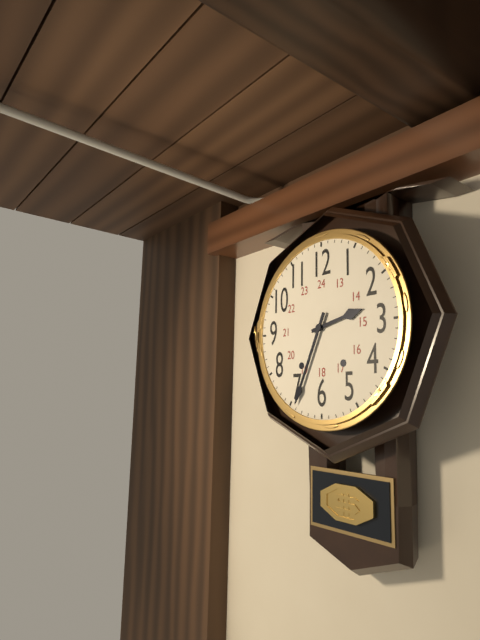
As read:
**2:34**
